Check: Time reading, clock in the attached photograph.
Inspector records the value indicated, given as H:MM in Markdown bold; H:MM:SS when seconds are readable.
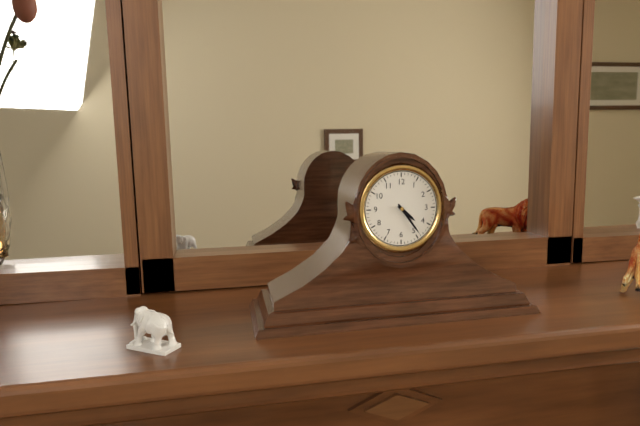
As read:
**4:24**
